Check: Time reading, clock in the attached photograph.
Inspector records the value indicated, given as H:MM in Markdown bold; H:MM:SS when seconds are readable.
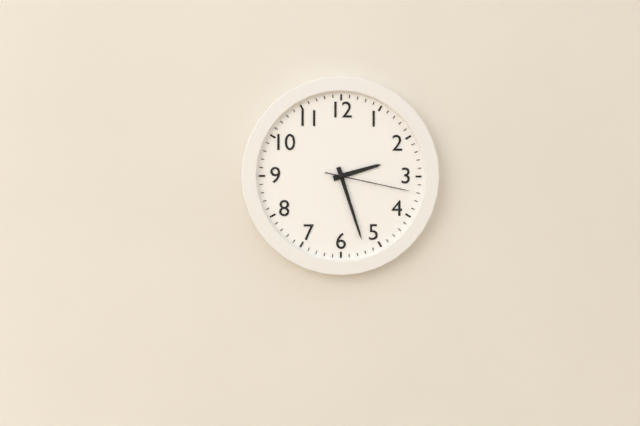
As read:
**2:27:17**
